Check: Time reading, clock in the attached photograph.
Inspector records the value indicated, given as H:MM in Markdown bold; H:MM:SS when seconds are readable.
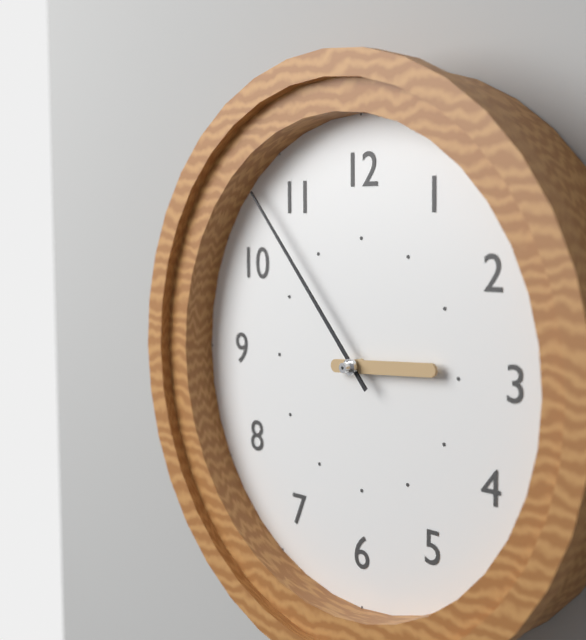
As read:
**2:53**
